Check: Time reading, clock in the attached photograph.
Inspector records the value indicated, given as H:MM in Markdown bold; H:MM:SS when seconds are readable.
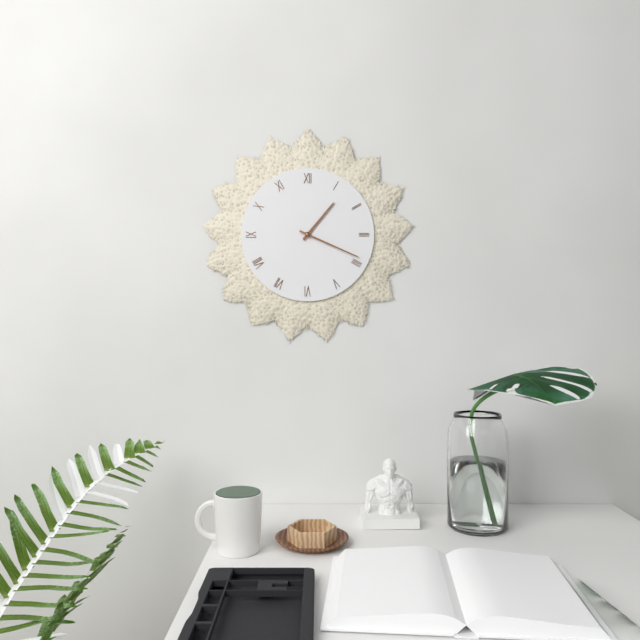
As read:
**1:19**
